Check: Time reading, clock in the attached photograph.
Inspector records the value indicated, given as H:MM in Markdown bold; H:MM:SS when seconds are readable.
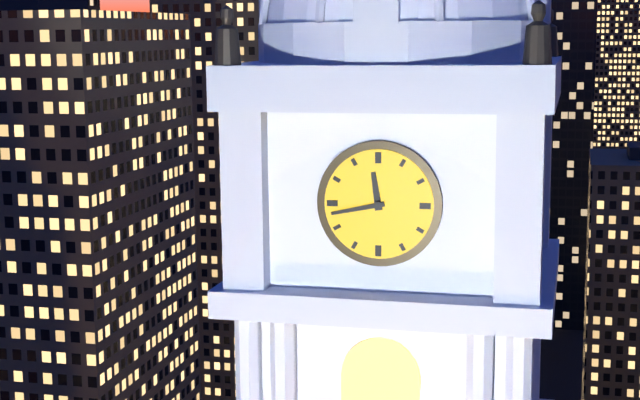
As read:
**11:43**
